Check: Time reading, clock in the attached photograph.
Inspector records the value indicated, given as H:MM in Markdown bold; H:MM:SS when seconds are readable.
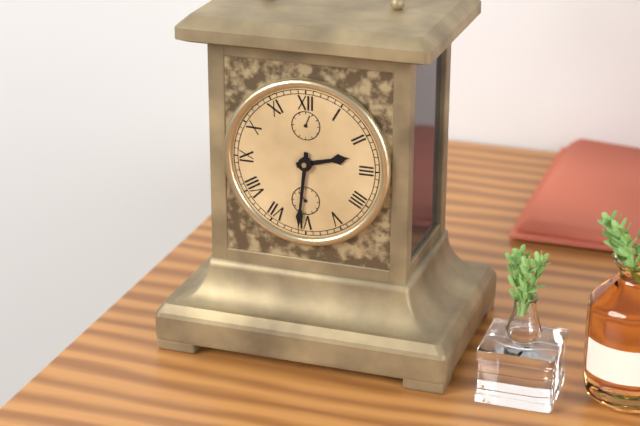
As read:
**2:31**
